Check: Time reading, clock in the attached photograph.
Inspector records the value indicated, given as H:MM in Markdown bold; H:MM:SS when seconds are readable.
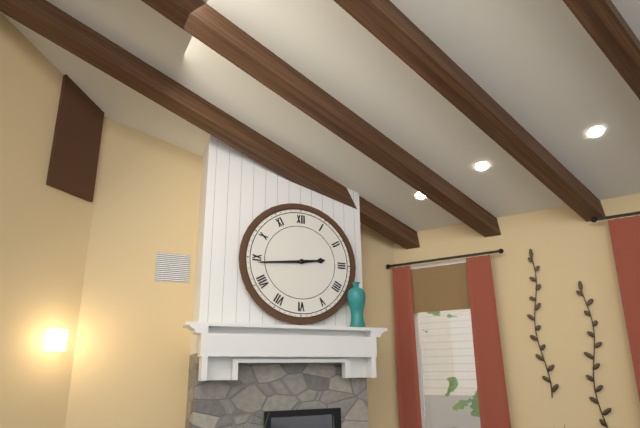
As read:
**2:44**
